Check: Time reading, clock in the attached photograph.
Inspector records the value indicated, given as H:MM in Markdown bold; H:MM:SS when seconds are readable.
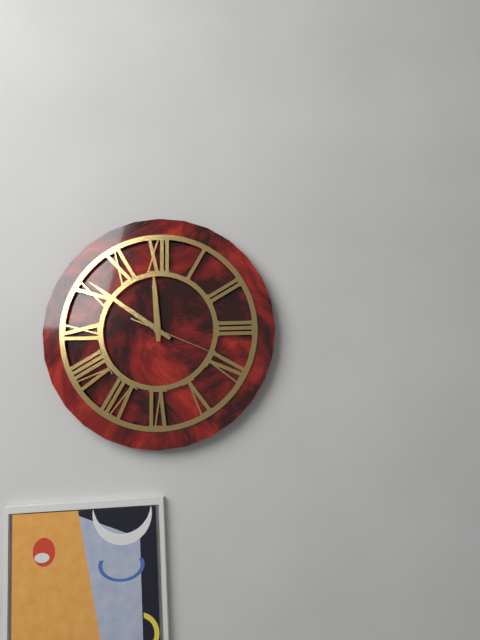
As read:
**11:51:19**
